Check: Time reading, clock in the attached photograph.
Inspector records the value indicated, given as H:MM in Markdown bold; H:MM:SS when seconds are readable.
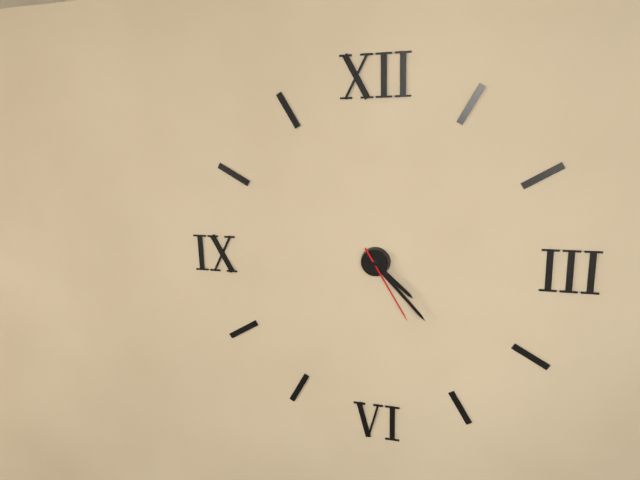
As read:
**4:23:25**
